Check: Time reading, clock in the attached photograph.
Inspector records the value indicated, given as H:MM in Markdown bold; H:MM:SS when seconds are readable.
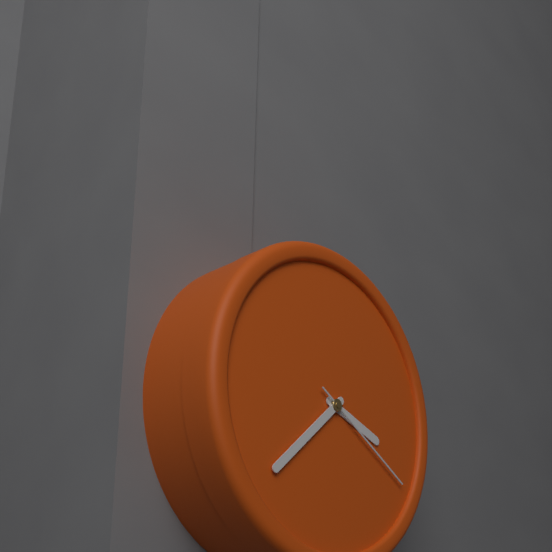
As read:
**3:38:20**
